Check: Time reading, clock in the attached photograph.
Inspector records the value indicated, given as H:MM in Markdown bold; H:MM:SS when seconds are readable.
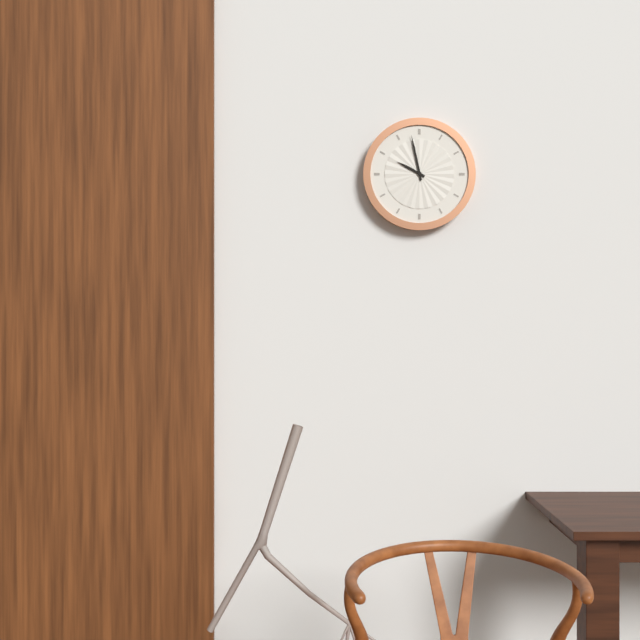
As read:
**9:58**
